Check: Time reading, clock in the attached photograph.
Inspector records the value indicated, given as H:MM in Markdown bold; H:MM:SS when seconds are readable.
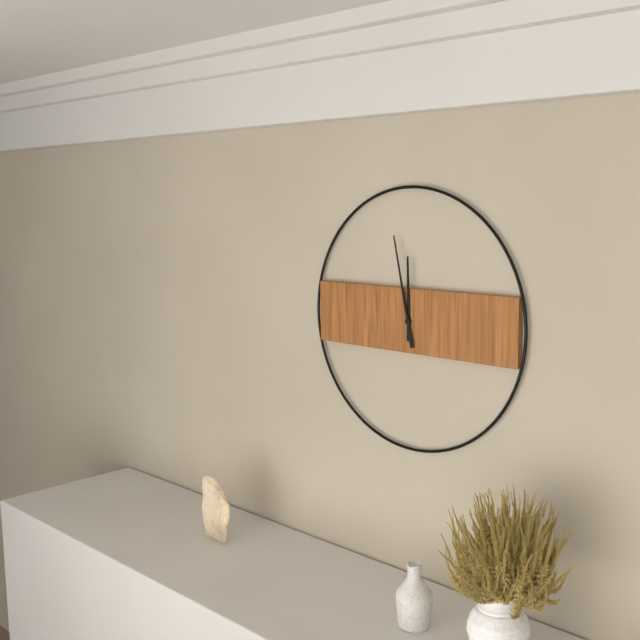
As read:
**11:58**
